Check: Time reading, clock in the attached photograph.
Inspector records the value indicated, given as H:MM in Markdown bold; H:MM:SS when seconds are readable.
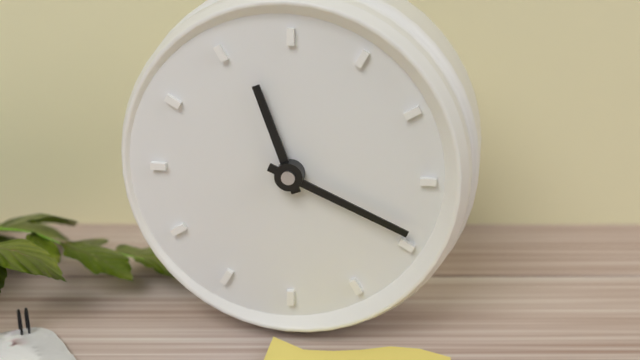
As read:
**11:19**
